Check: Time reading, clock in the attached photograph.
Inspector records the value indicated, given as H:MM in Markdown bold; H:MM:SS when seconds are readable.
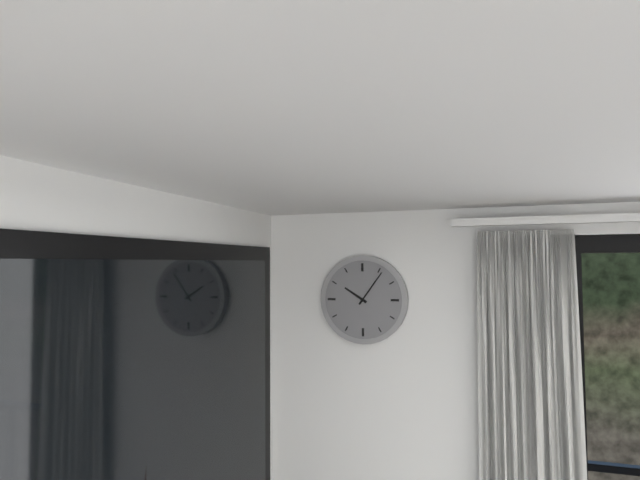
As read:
**10:06**
